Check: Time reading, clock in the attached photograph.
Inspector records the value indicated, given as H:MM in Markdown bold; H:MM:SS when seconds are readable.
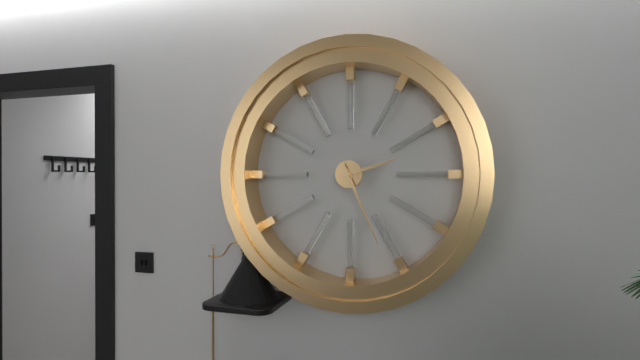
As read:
**2:26**
